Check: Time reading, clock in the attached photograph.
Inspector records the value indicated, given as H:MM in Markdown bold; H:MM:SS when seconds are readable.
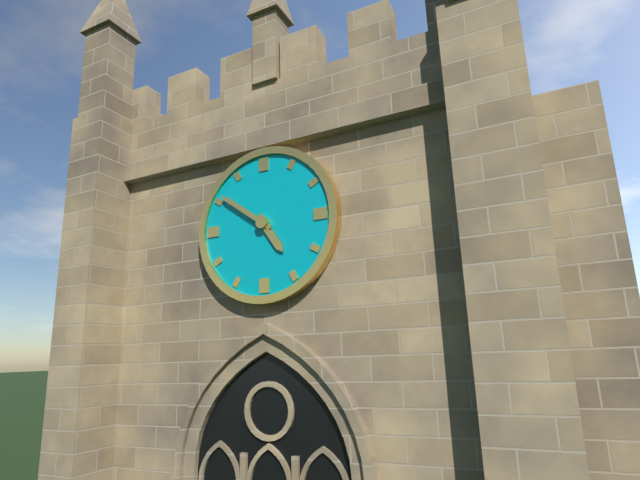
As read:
**4:51**
